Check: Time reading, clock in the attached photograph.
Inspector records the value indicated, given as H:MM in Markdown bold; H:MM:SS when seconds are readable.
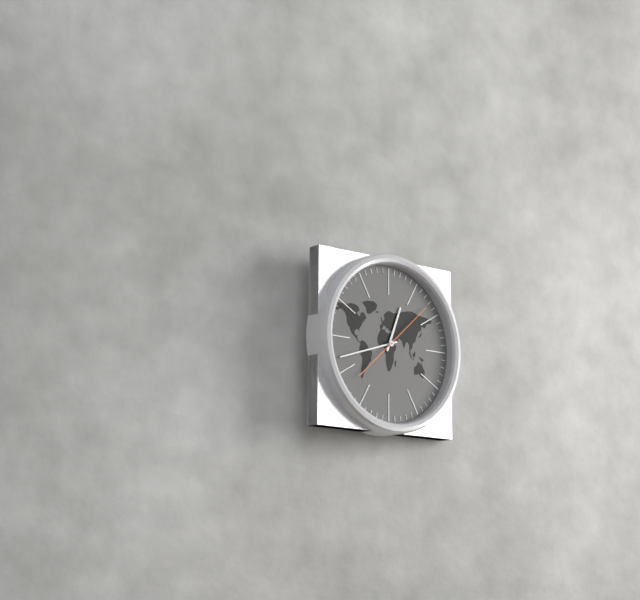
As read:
**12:42:08**
